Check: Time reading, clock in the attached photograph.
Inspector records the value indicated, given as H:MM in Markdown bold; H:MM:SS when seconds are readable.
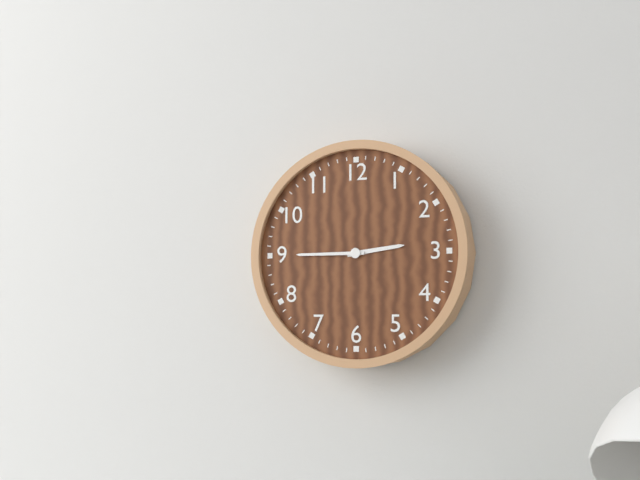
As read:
**2:45**
